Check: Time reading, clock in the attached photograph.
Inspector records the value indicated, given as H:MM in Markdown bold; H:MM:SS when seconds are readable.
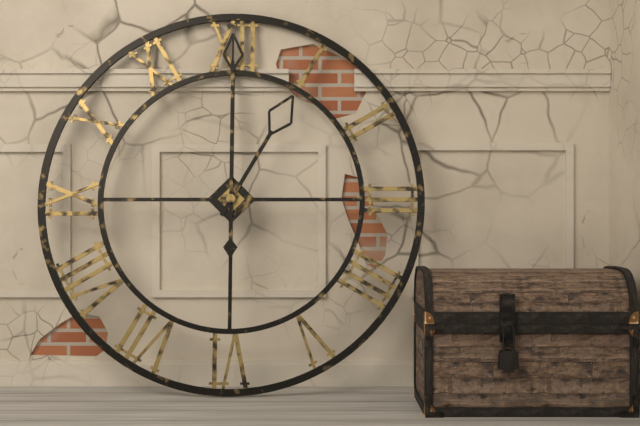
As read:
**1:00**
